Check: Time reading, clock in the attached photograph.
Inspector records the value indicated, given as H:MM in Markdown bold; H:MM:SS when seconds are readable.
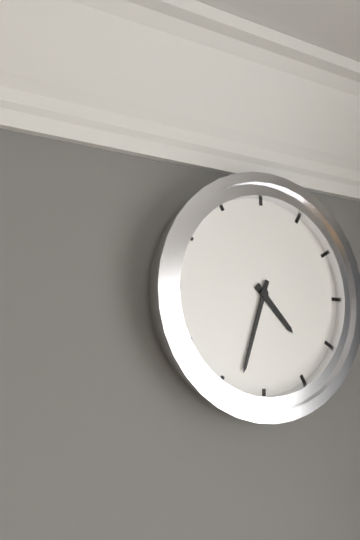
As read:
**4:33**
